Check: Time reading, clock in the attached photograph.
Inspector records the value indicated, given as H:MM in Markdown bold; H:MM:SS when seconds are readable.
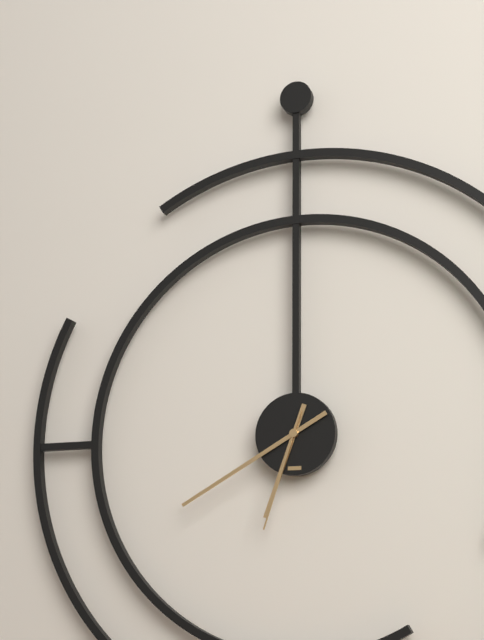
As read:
**6:40:33**
